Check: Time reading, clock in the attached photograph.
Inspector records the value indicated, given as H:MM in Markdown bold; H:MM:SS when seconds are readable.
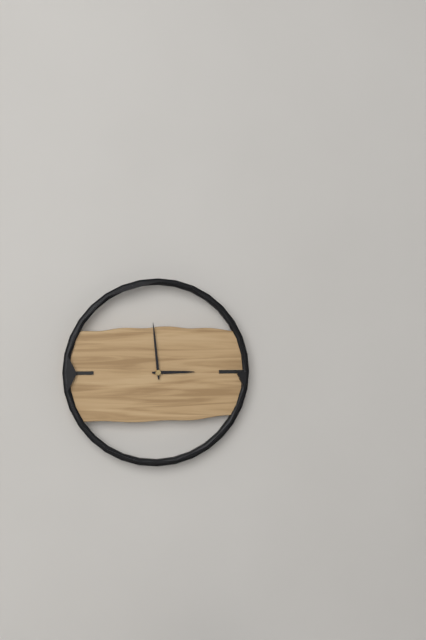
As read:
**2:59**
